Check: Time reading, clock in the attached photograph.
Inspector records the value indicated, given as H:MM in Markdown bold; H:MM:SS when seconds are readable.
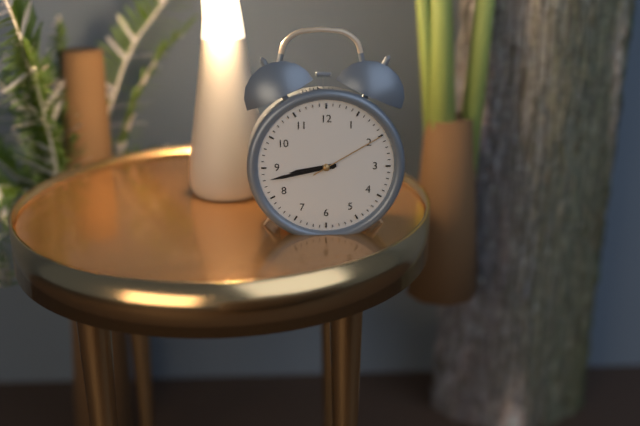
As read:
**8:43:10**
